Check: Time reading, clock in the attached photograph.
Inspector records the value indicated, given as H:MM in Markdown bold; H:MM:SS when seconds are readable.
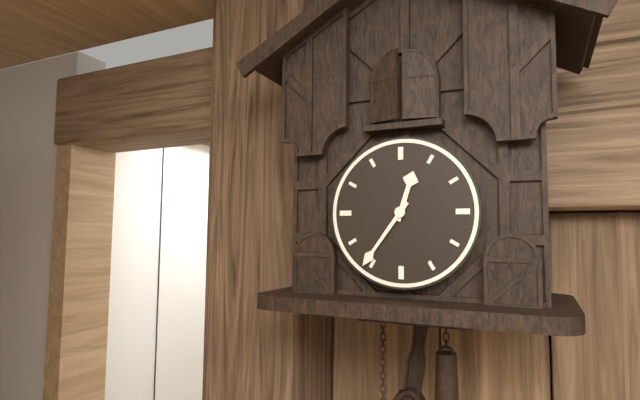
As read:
**12:36**
